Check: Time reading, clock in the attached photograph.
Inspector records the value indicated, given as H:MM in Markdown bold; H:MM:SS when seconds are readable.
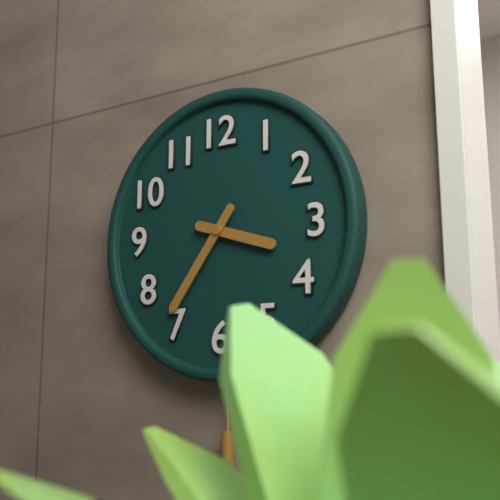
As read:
**3:36**
